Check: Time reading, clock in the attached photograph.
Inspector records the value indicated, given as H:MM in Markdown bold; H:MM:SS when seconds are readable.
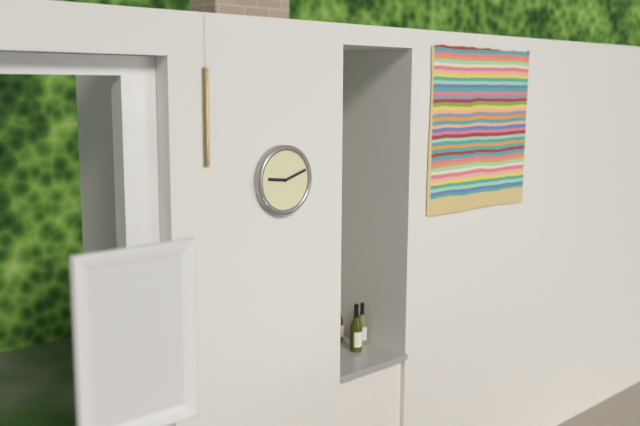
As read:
**9:12**
